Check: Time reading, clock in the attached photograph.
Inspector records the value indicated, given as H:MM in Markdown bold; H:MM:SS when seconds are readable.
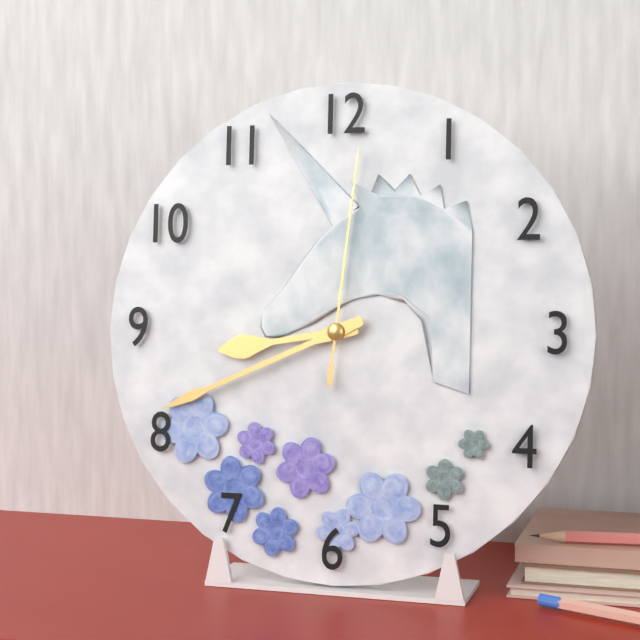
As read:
**8:41:01**
